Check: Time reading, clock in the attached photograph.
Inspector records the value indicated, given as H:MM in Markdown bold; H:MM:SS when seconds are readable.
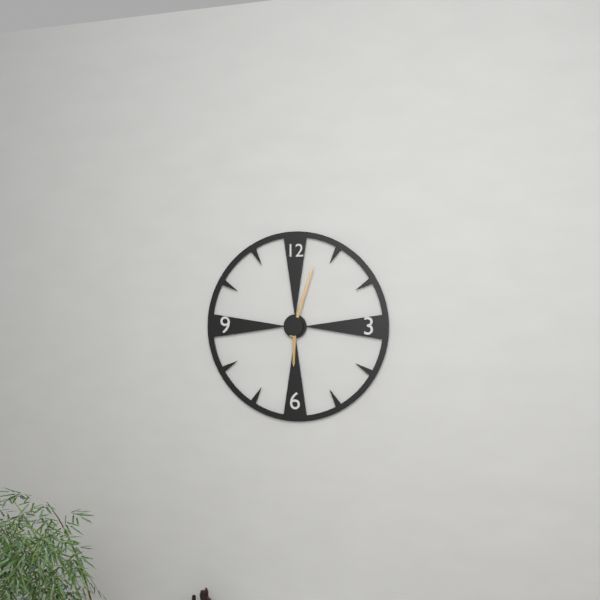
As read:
**6:03**
